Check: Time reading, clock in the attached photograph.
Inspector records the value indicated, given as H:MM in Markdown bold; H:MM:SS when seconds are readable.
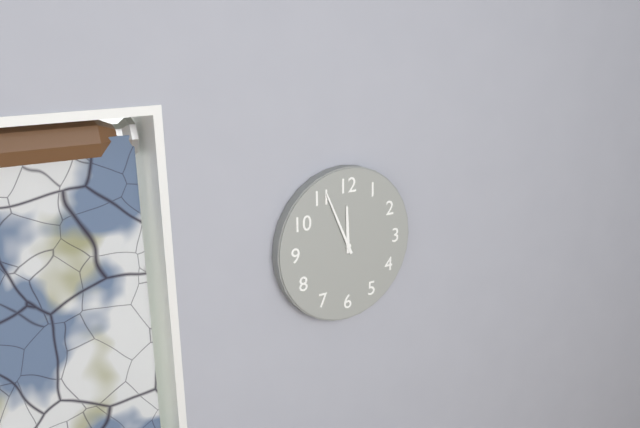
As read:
**11:56**
